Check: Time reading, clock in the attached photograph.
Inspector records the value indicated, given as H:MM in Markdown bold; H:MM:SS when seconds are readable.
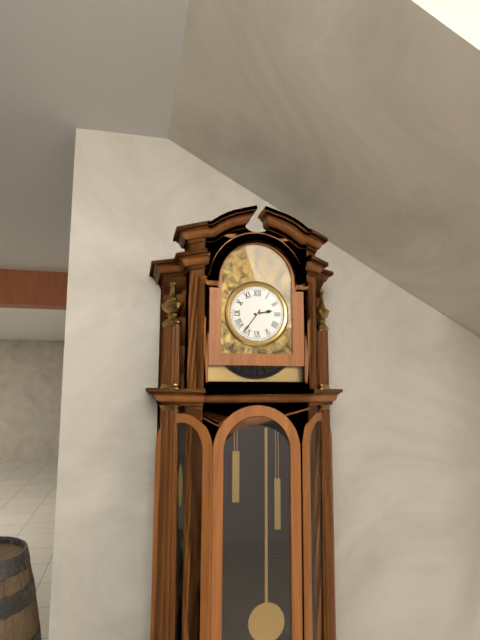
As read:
**2:36**
